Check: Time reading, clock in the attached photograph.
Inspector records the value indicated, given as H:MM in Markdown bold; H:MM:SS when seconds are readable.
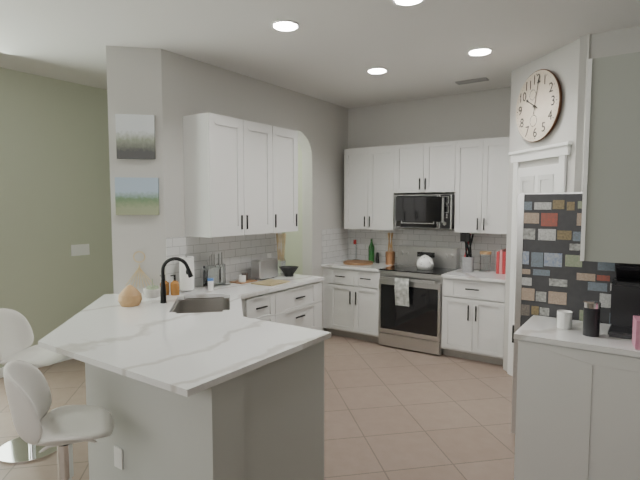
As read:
**10:02**
